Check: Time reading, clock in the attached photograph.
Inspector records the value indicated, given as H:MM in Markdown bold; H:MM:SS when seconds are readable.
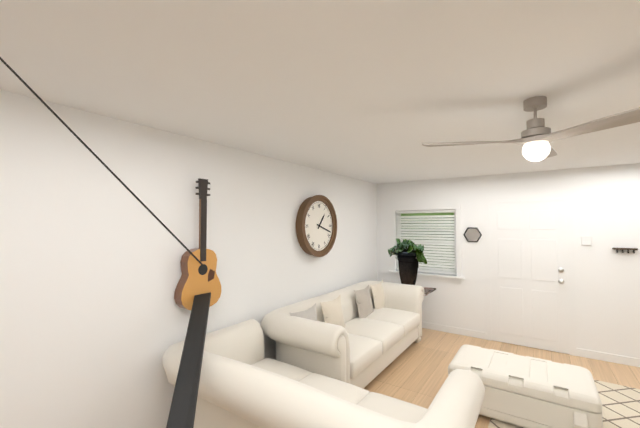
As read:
**1:18**
